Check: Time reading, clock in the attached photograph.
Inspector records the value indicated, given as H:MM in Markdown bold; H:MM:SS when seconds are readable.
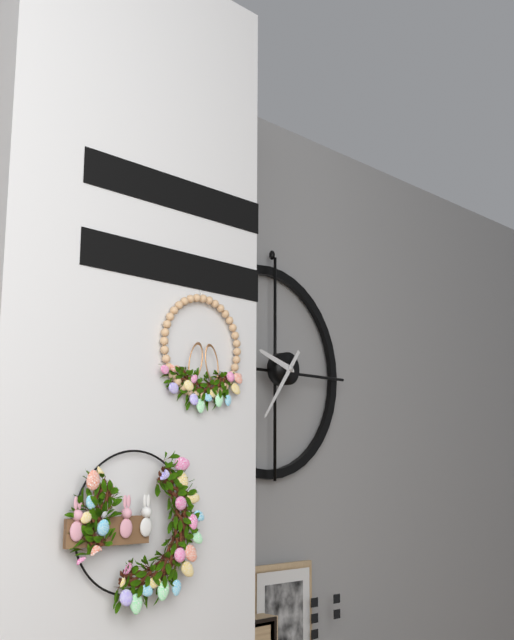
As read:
**9:36**
